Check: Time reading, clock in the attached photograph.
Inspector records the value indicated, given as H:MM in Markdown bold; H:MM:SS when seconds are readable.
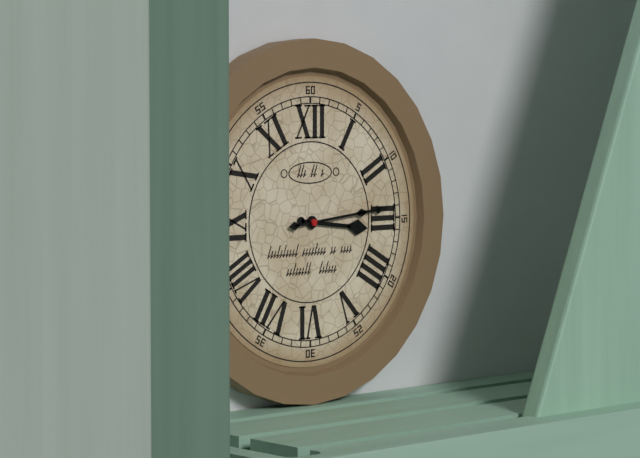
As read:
**3:14**
